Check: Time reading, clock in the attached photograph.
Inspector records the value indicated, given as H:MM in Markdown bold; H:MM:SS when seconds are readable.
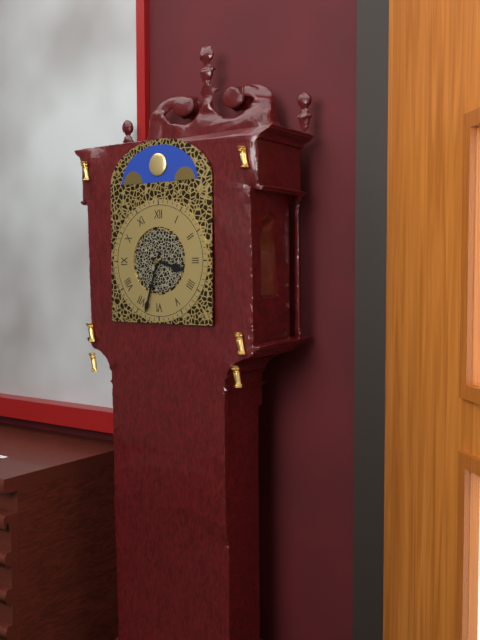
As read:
**3:33**
